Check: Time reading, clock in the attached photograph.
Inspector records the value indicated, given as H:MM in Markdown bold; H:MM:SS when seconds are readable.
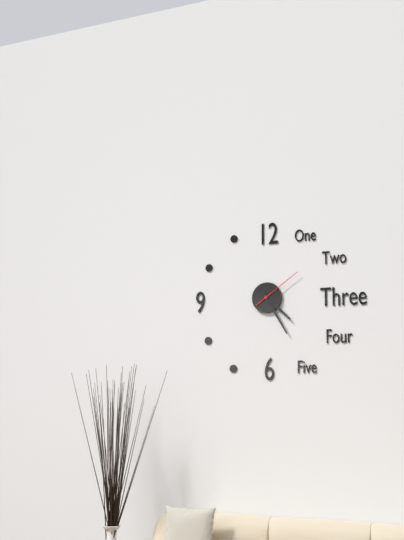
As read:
**4:25:09**
